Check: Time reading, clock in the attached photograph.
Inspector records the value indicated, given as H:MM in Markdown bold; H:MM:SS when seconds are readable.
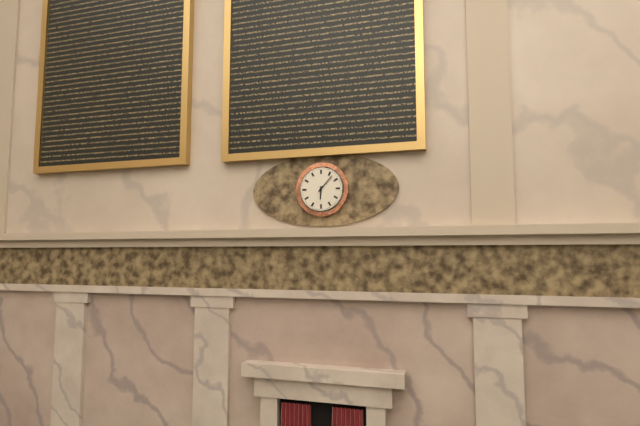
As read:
**6:07**
